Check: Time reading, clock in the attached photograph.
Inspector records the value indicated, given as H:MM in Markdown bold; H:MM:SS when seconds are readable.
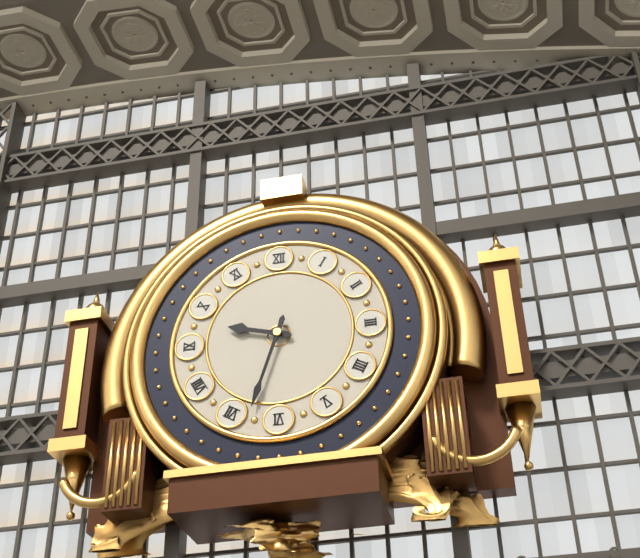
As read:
**9:33**
